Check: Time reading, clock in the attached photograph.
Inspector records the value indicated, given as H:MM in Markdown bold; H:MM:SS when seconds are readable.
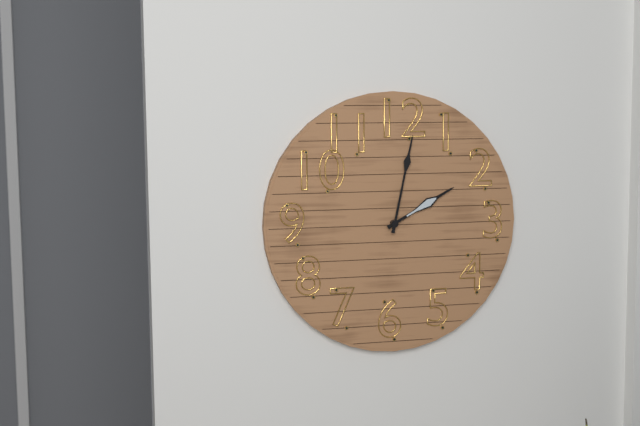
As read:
**2:02**
